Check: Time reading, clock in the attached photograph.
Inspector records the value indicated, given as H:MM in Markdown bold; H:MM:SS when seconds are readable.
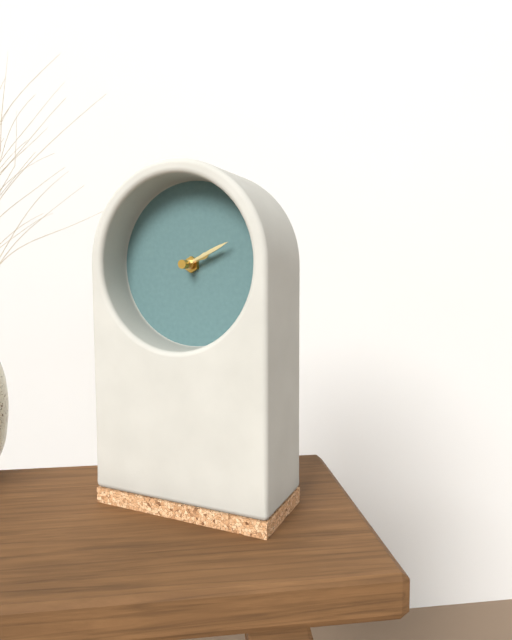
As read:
**2:11**
